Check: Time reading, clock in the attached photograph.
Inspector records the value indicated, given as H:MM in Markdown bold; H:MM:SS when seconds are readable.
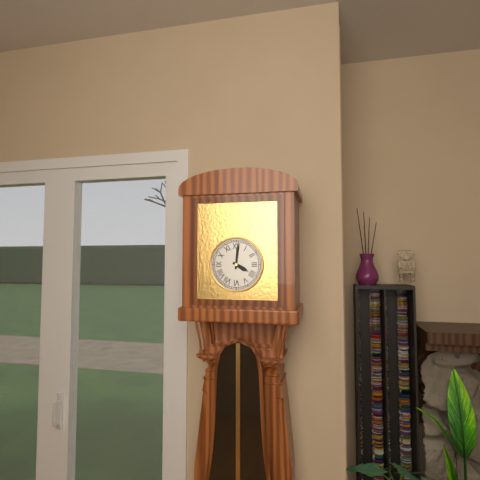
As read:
**4:01**
